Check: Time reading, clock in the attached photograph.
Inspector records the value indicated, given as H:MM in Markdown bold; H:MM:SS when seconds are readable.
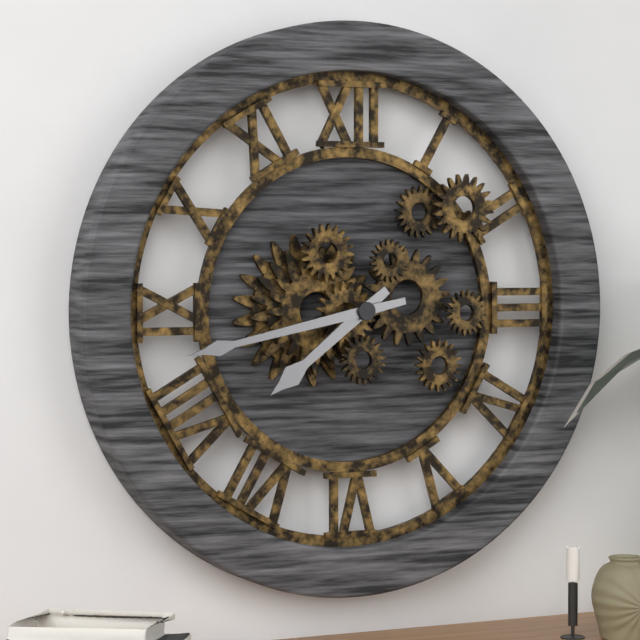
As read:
**7:43**
